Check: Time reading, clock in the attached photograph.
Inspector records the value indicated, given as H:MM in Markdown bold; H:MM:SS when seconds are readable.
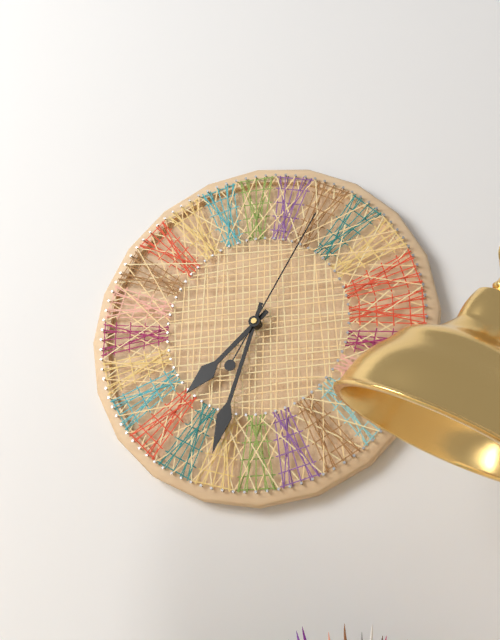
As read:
**7:33:05**
